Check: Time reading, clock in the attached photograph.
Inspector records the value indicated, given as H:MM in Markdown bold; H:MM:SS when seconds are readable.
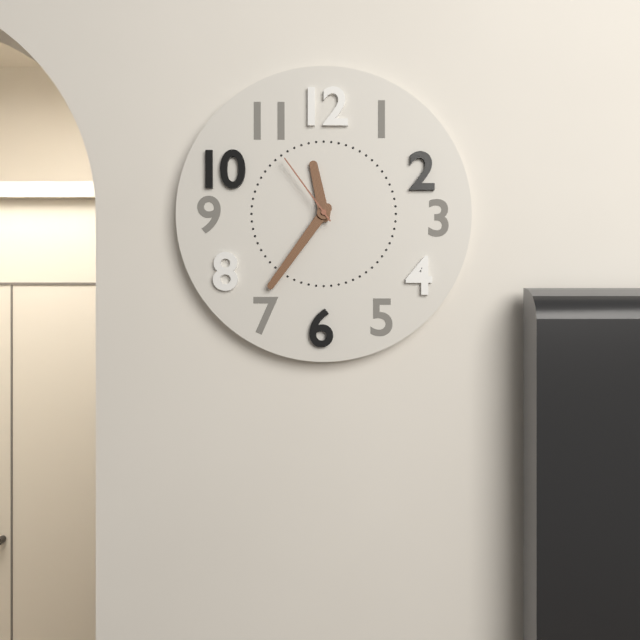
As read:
**11:36:54**
